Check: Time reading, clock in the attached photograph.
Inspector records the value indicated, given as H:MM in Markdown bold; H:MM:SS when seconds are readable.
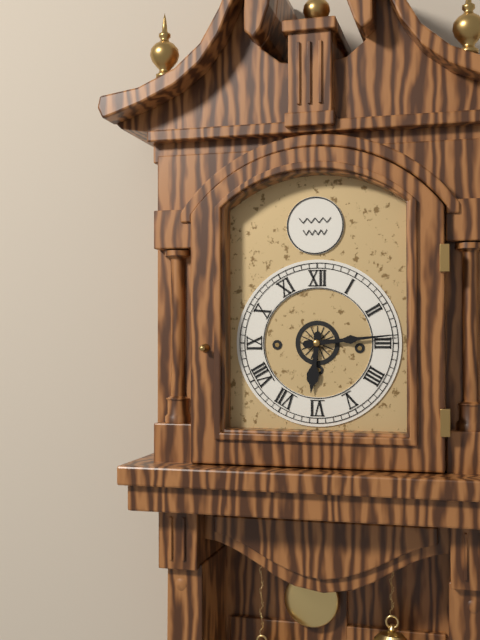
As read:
**6:14**
